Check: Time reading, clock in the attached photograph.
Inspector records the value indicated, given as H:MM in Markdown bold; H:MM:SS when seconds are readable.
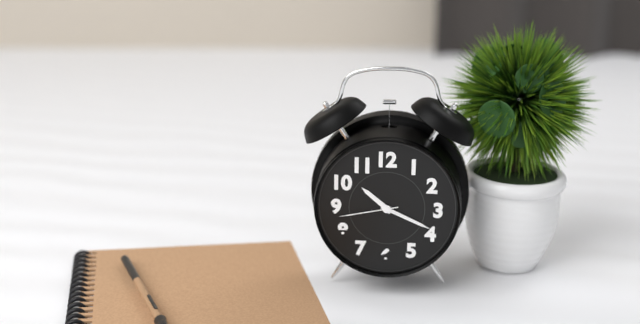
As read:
**10:19:43**
